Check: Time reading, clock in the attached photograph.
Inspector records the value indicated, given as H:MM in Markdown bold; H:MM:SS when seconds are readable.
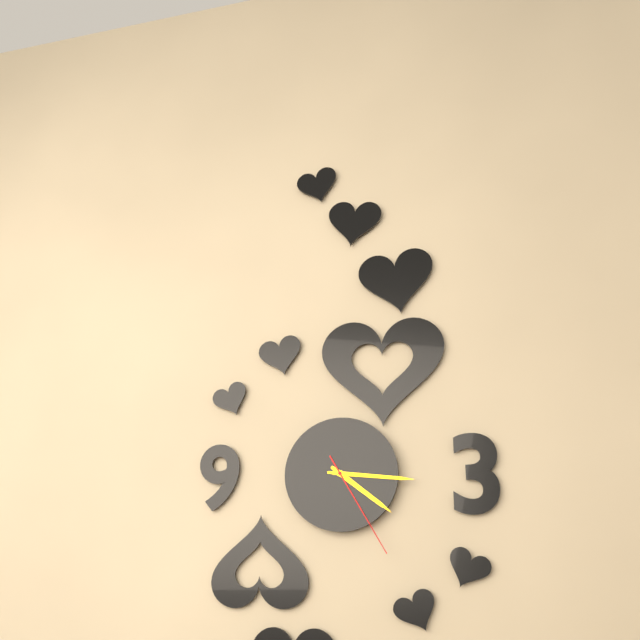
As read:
**4:16:25**
